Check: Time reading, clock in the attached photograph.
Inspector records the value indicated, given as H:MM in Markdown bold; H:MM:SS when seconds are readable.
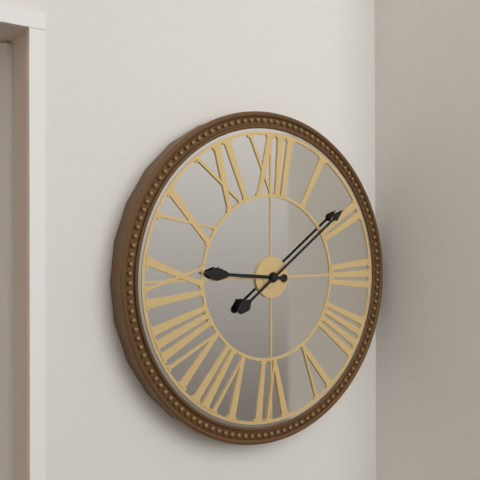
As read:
**9:09**
